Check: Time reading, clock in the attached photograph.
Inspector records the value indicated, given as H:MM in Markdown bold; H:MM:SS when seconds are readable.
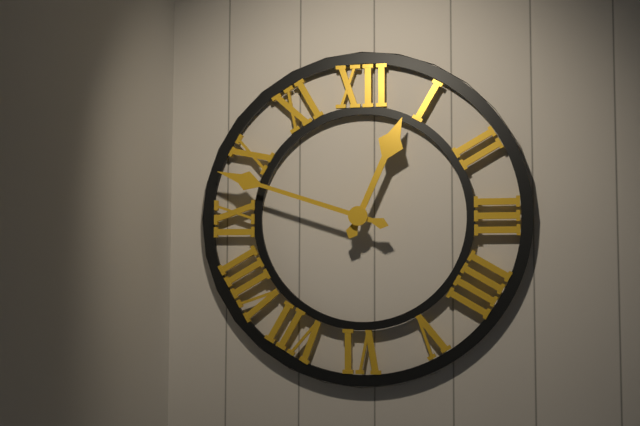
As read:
**12:48**
